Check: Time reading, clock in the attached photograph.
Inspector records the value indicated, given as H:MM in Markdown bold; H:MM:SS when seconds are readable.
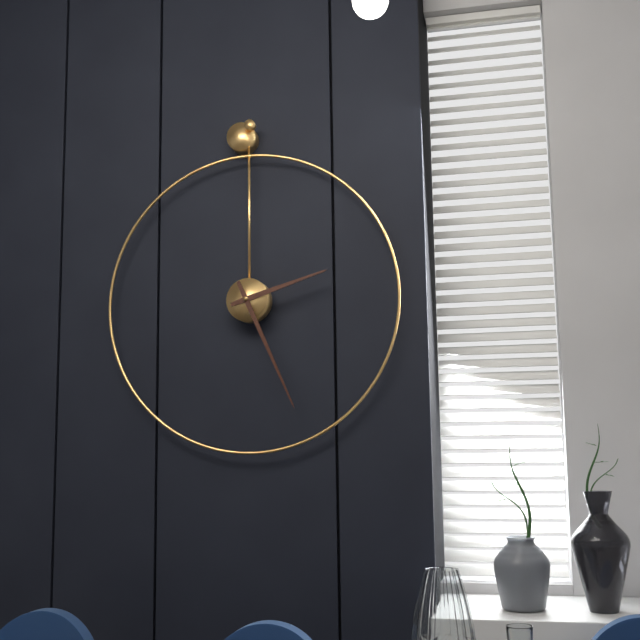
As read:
**2:26**
